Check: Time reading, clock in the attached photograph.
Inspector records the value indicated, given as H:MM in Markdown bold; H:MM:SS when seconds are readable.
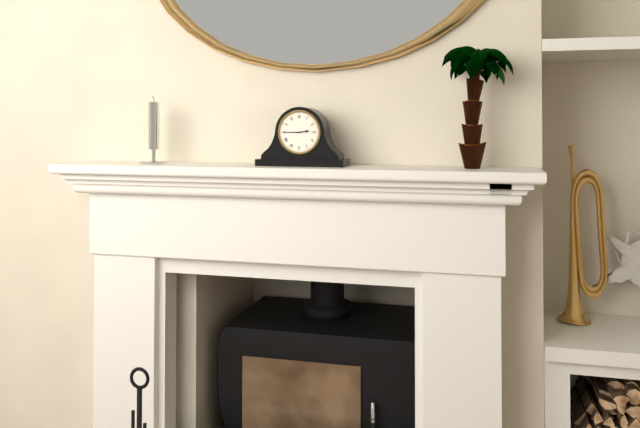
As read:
**2:45**
